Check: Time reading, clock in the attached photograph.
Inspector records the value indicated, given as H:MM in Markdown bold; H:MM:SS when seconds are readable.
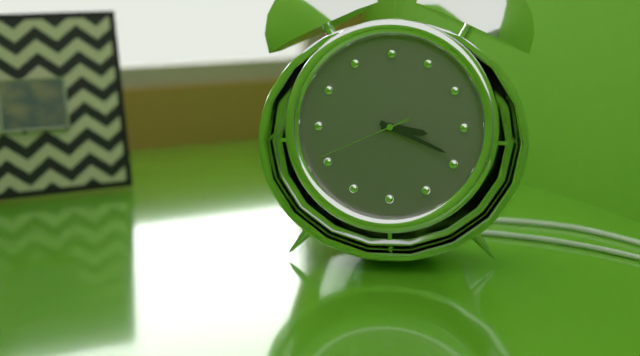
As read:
**3:19:41**
